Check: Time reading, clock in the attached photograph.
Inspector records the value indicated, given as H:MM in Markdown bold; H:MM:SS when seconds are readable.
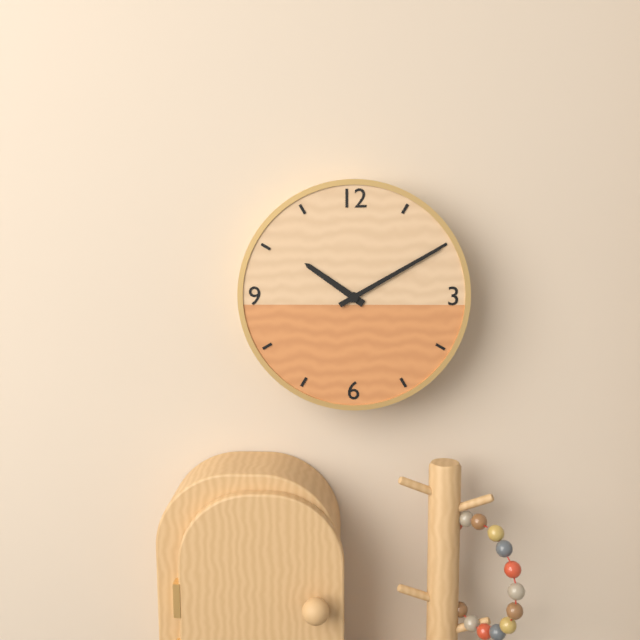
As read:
**10:10**
